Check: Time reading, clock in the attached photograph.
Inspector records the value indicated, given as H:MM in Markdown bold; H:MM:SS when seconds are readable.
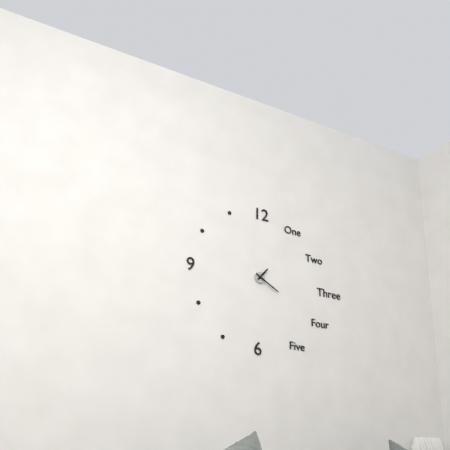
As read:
**1:20**
